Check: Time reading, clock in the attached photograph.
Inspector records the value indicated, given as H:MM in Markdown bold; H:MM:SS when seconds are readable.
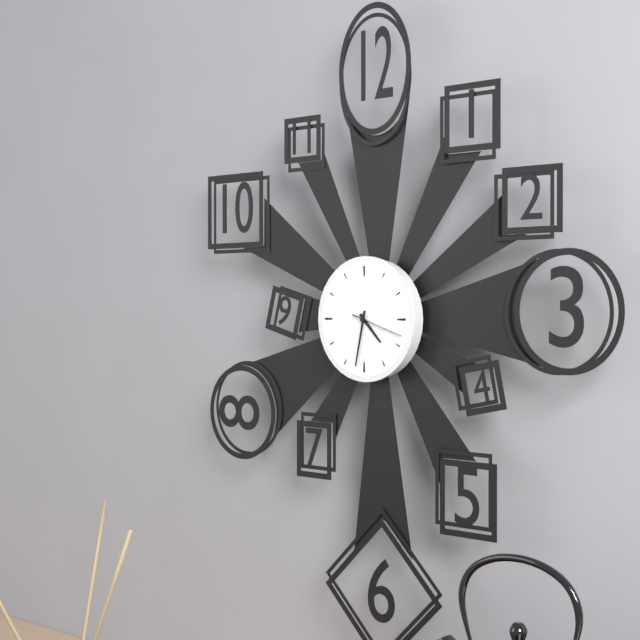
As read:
**4:32:18**
